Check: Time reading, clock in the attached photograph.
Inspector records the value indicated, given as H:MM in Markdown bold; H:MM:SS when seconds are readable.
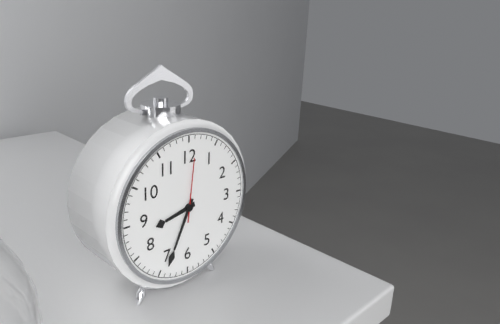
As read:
**8:34:01**
